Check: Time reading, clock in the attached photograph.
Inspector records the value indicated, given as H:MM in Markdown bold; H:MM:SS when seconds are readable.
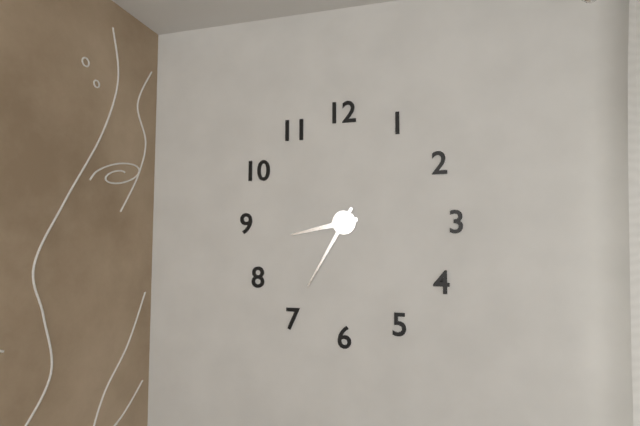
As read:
**8:35**
